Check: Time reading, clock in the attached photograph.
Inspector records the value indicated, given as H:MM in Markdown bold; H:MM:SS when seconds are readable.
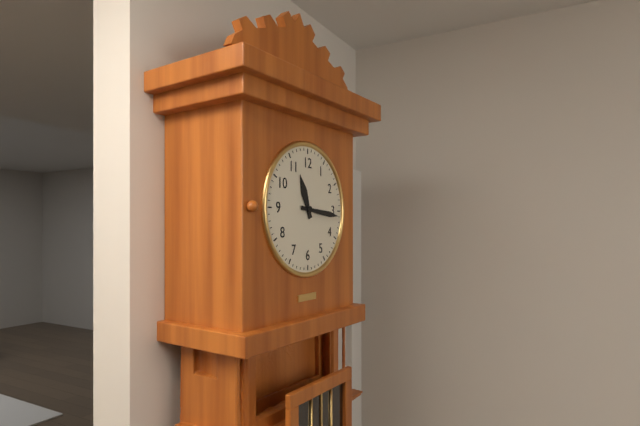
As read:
**11:16**
